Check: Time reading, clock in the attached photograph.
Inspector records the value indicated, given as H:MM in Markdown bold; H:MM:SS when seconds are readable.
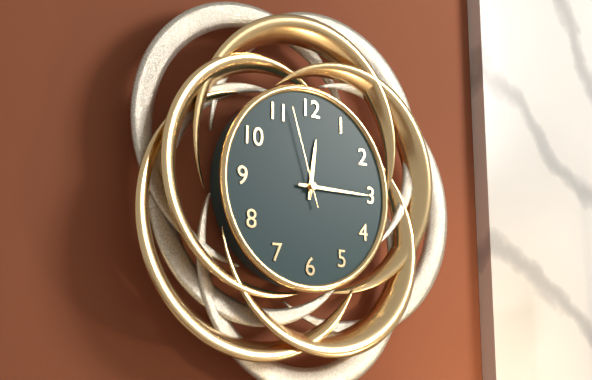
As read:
**12:15:57**
